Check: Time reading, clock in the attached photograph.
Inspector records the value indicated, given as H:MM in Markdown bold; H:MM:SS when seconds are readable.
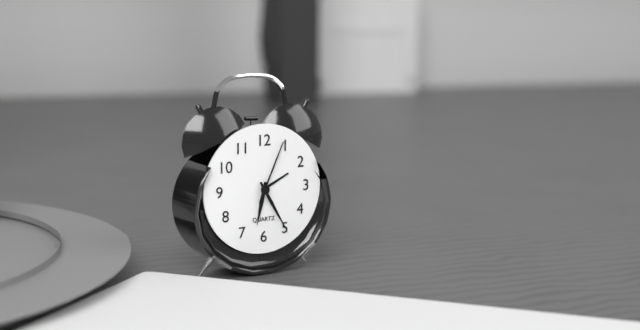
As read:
**6:25:04**
